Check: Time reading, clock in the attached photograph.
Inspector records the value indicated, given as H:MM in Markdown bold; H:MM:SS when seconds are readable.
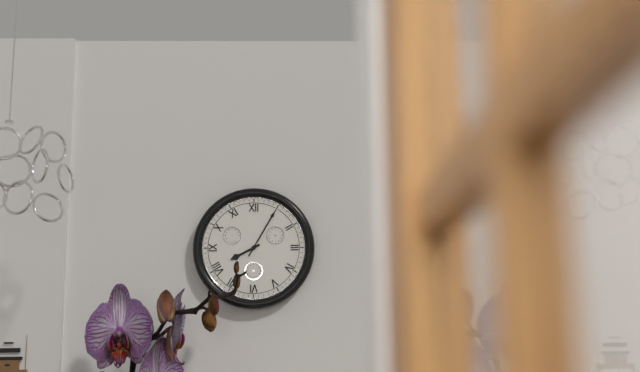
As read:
**8:05**
